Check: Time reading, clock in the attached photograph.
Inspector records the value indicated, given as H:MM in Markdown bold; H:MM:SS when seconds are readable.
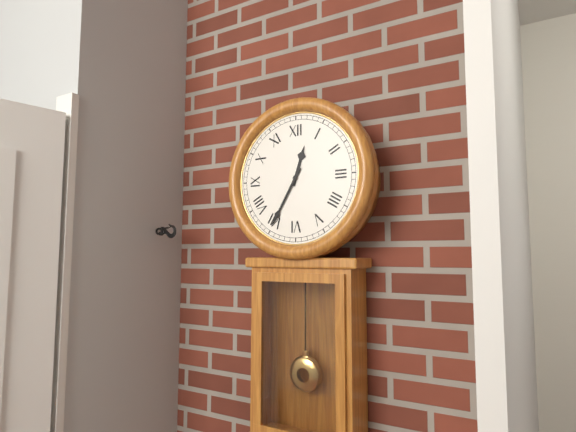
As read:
**12:35**
